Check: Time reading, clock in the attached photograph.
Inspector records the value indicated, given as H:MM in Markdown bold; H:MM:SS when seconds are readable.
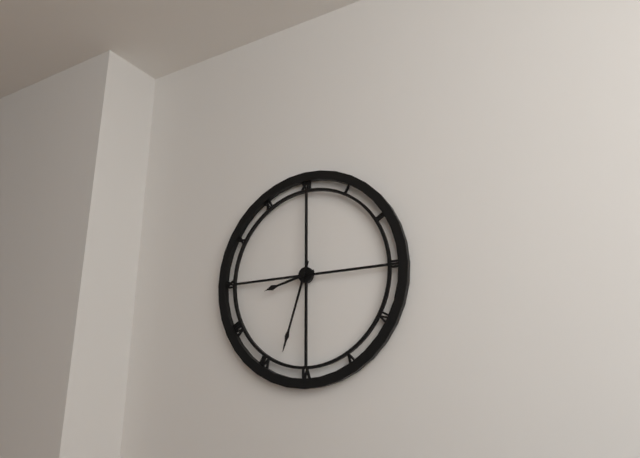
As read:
**8:33**
